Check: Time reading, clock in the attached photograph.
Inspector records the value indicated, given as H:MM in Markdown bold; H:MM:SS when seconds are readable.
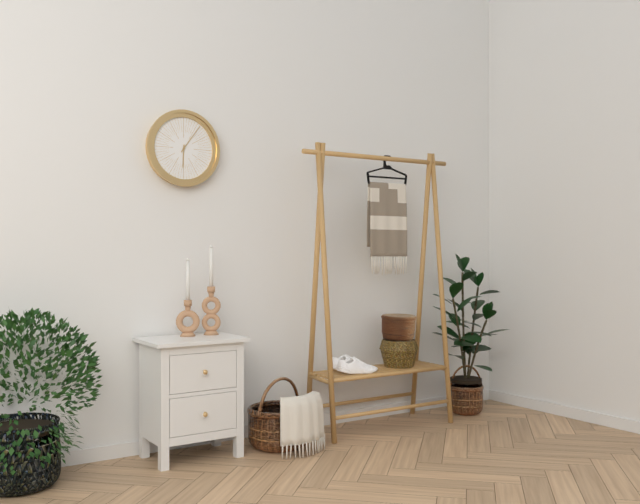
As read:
**6:06**
